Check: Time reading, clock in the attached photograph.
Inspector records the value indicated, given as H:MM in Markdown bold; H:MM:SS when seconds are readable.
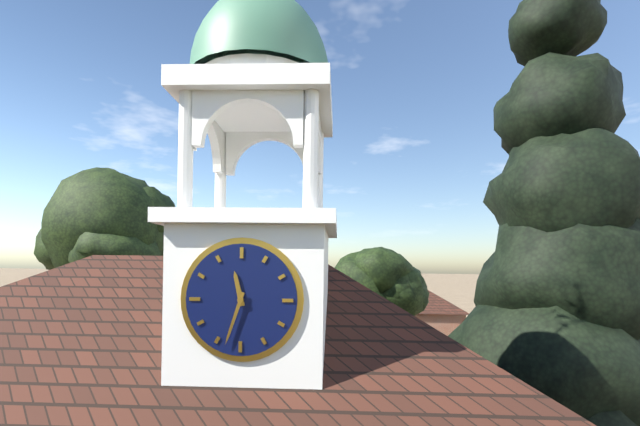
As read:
**11:33**
